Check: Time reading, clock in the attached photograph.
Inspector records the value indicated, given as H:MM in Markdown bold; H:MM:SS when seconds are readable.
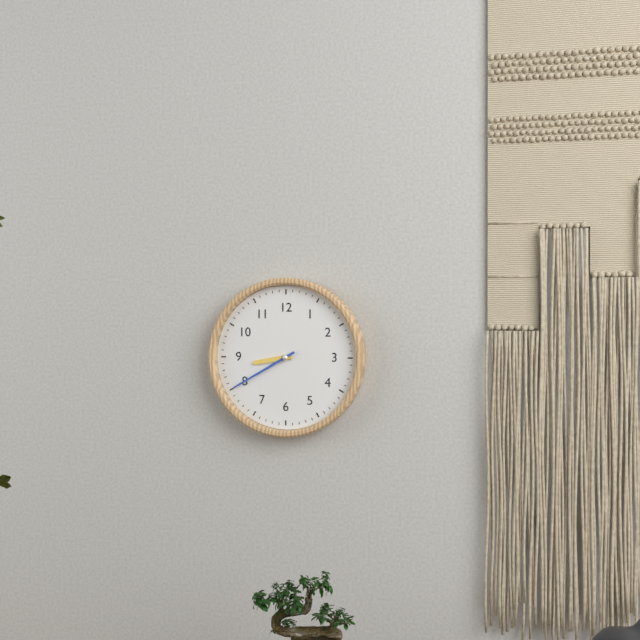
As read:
**8:40**
